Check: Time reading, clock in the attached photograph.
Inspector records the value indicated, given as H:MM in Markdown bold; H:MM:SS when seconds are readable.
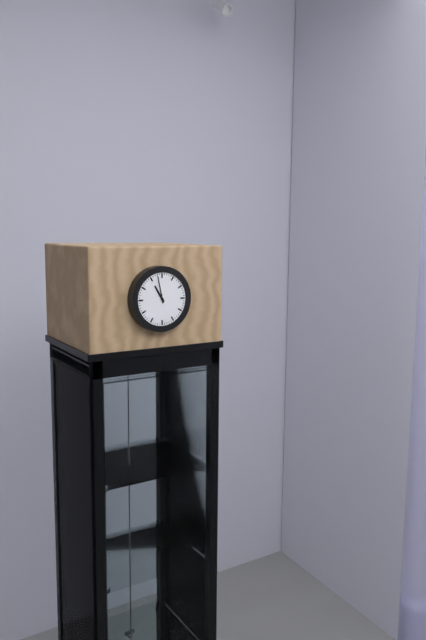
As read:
**10:58**
